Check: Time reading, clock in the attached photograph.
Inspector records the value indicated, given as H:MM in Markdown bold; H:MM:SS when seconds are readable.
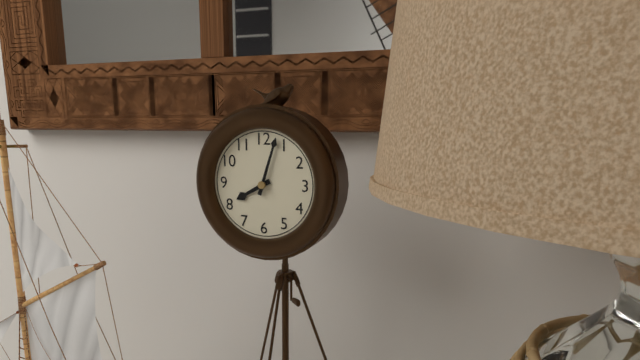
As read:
**8:03**
